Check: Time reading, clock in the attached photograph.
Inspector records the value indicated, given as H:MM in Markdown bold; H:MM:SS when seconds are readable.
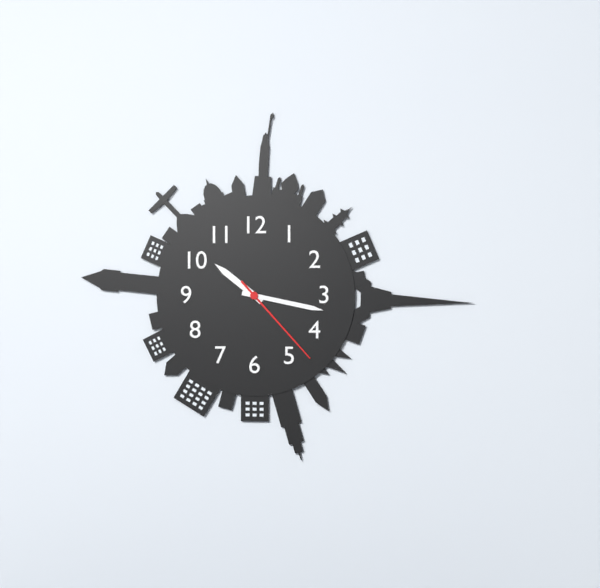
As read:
**10:17:23**
